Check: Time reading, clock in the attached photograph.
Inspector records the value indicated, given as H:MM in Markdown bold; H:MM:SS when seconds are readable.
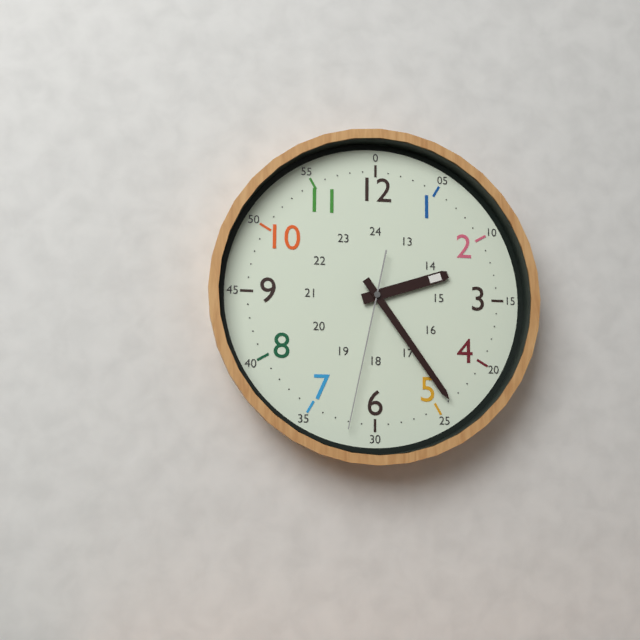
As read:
**2:24:32**
